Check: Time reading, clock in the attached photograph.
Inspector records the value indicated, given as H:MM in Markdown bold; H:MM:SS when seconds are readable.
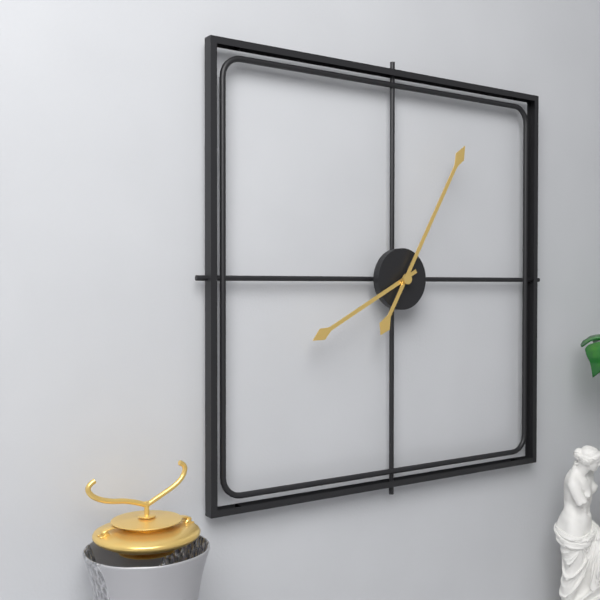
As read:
**8:05**
